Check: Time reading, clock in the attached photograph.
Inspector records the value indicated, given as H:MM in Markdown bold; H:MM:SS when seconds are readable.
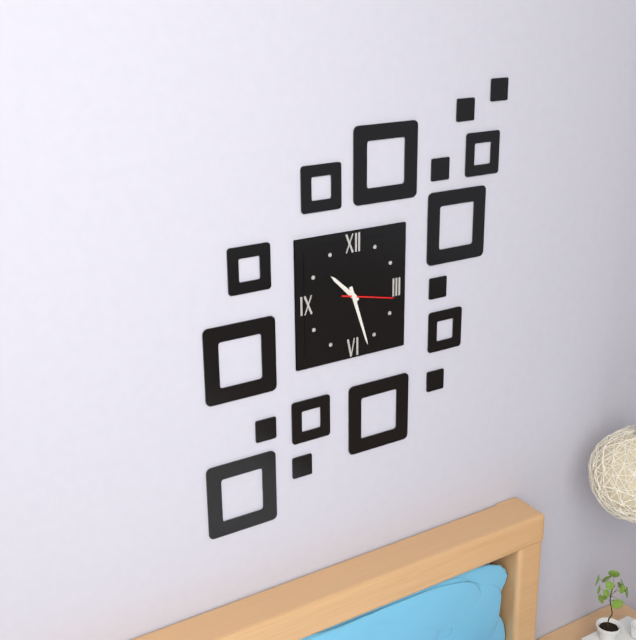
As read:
**10:27:17**
